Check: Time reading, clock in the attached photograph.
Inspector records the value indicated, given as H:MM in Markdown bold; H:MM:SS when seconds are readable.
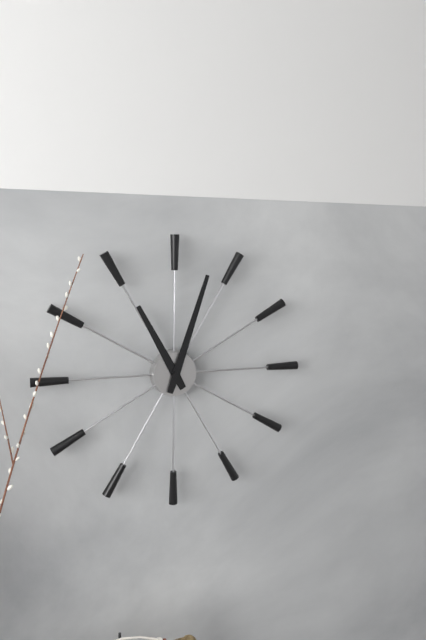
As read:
**11:03**
